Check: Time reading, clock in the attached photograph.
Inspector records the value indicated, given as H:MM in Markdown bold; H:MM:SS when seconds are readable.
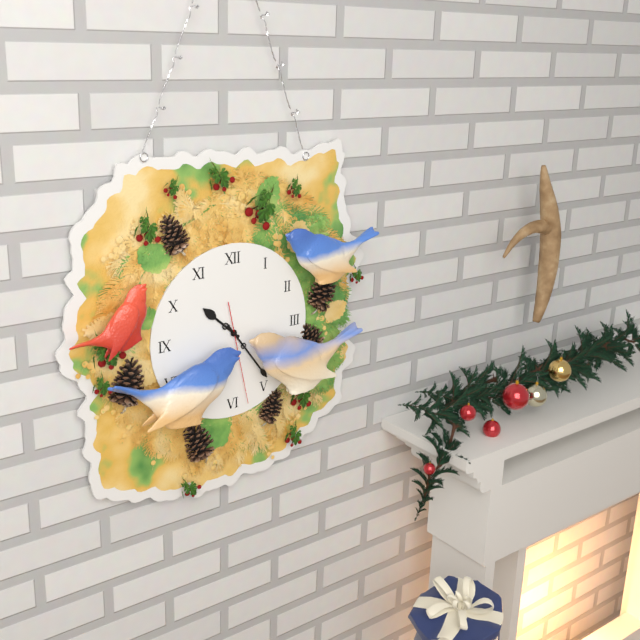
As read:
**10:24:28**
